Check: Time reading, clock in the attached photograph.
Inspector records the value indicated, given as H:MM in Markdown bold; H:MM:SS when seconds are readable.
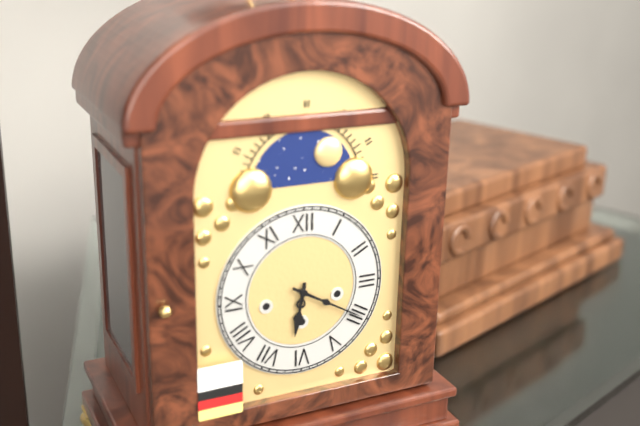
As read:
**6:20**
